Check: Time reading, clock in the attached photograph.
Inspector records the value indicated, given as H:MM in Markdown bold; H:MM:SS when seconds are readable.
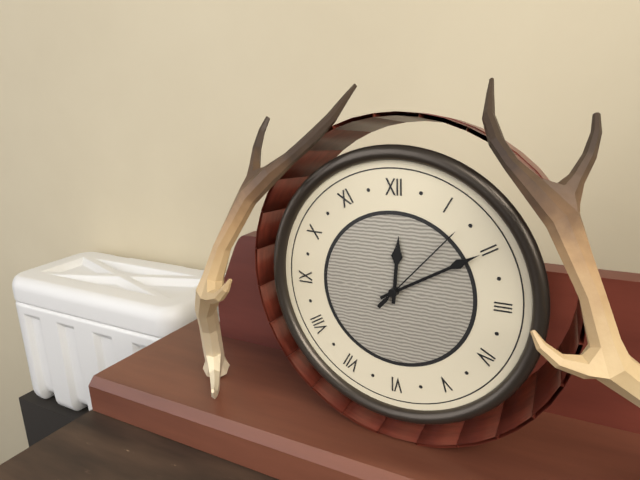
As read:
**12:10:07**
